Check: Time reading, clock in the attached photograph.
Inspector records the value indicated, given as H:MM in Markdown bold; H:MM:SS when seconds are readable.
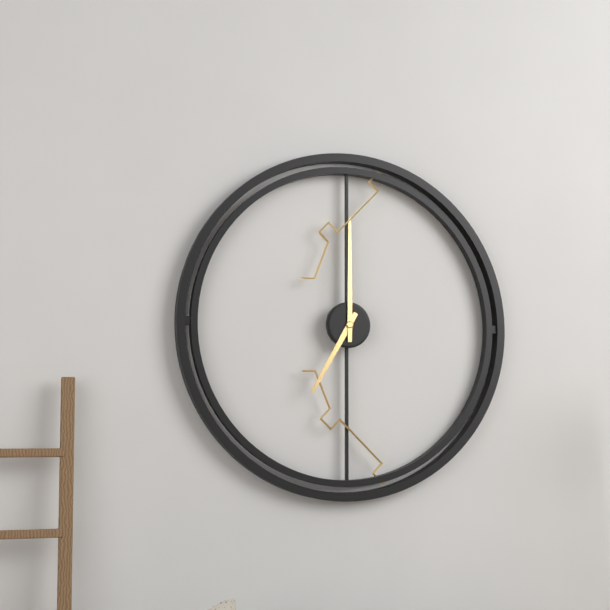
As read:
**7:00**
